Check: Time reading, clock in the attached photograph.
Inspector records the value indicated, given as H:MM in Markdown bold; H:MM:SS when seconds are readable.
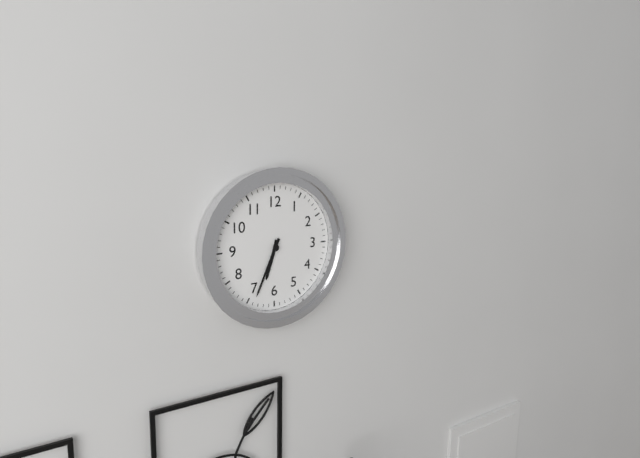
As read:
**6:34**
